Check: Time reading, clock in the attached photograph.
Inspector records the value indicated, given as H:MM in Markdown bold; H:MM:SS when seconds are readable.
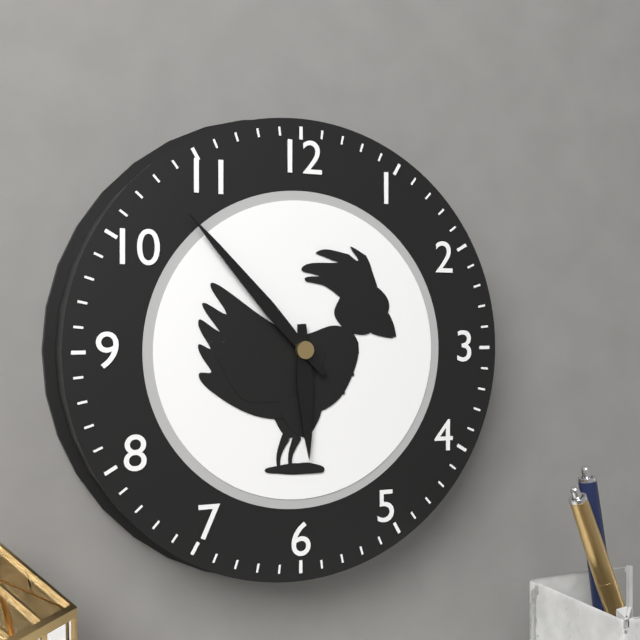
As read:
**5:53**
